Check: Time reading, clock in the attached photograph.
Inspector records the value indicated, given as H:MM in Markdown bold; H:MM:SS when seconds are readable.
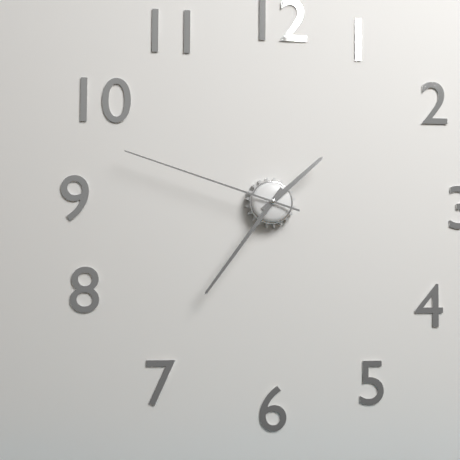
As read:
**1:36:48**
